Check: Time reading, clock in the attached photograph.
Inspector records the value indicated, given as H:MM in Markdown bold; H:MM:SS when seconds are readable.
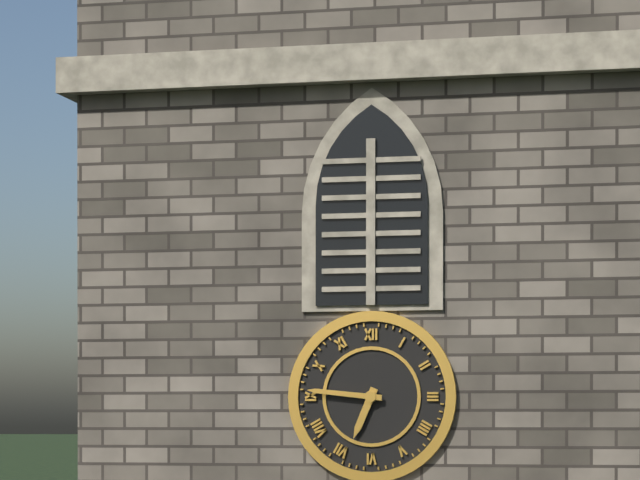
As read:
**6:46**
